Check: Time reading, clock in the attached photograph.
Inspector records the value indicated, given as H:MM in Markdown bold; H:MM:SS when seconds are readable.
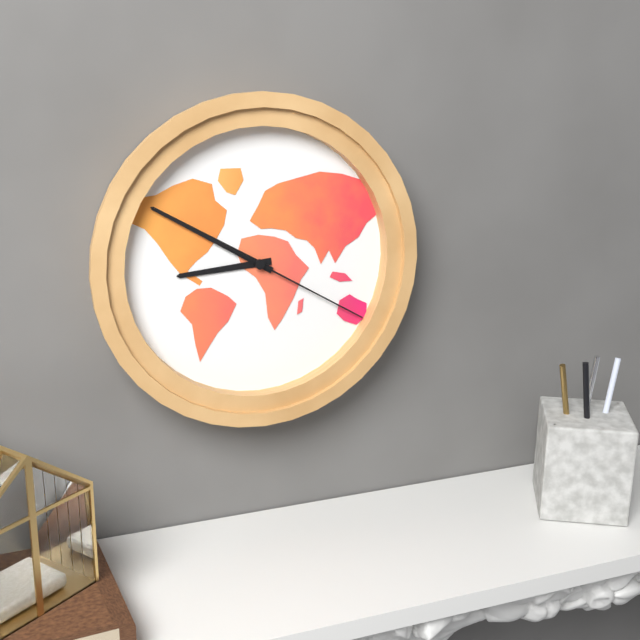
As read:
**8:50:20**
